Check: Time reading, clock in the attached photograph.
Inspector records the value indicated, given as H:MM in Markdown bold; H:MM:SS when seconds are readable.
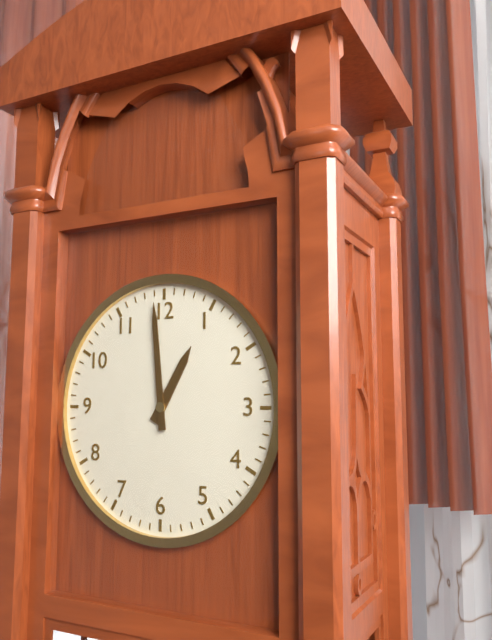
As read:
**12:59**
